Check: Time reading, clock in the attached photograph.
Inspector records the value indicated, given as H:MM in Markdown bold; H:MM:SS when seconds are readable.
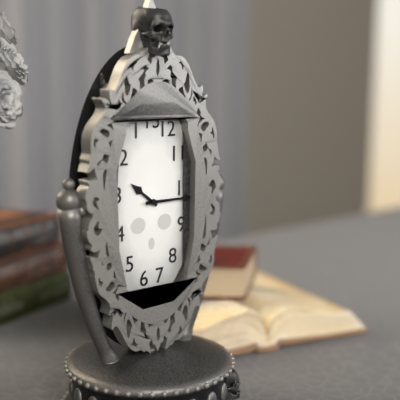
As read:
**10:15**
